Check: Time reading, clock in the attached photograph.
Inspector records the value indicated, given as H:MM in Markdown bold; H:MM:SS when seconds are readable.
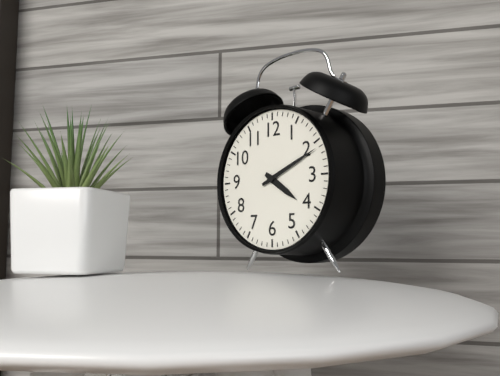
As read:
**4:11**
